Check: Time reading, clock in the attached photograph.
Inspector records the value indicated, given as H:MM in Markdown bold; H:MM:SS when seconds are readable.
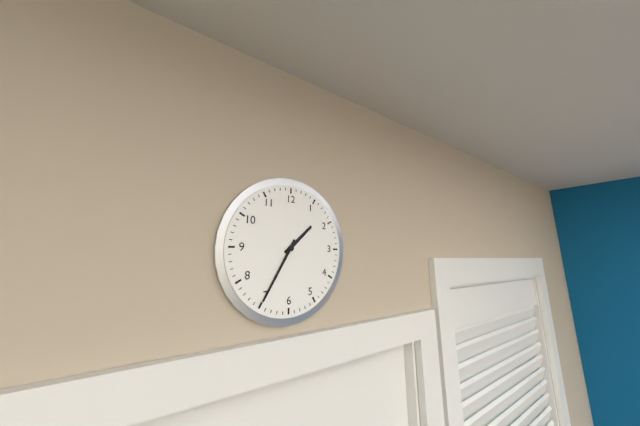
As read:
**1:35**
